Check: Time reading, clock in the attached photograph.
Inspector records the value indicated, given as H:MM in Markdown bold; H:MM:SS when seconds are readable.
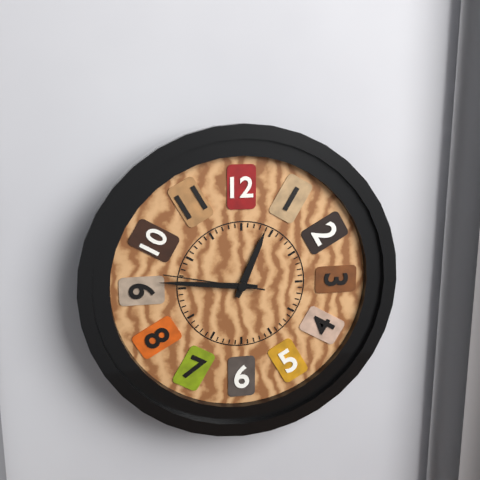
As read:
**12:46:47**
